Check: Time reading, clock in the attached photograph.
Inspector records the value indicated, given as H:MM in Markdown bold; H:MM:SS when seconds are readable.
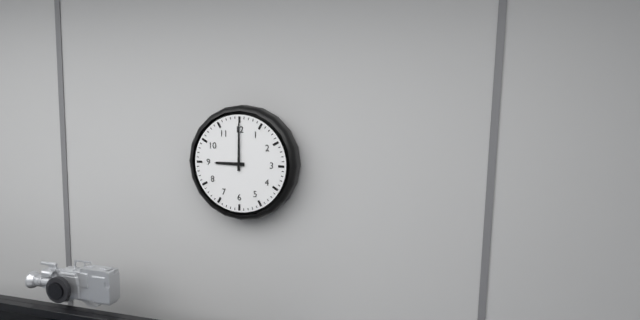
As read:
**9:00**
